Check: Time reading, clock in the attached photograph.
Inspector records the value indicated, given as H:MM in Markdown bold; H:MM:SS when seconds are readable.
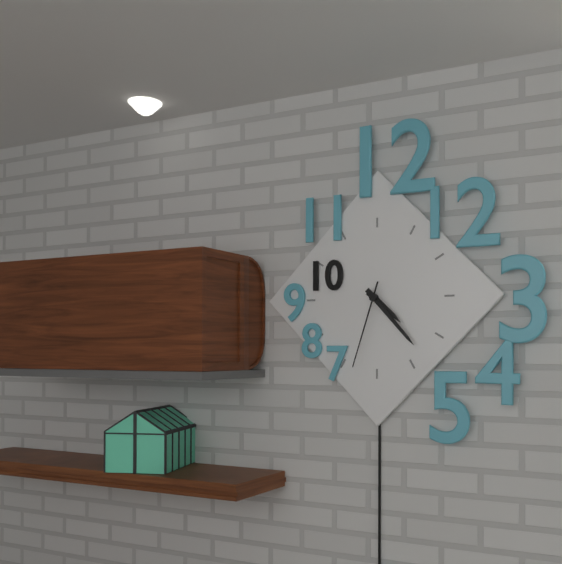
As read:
**4:23:33**
